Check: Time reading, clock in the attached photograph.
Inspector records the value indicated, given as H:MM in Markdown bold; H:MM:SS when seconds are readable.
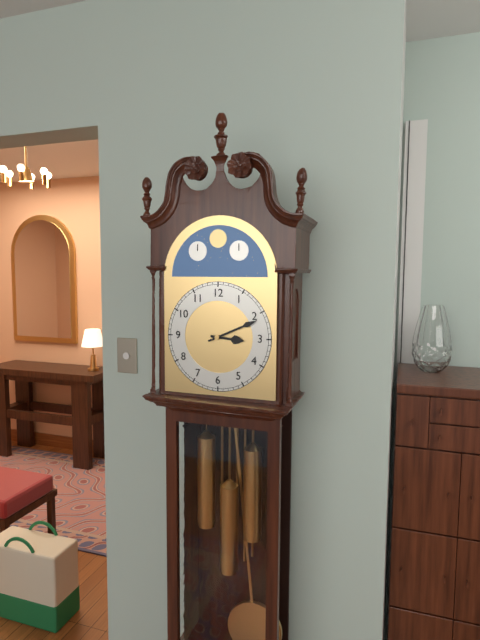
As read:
**3:11**
